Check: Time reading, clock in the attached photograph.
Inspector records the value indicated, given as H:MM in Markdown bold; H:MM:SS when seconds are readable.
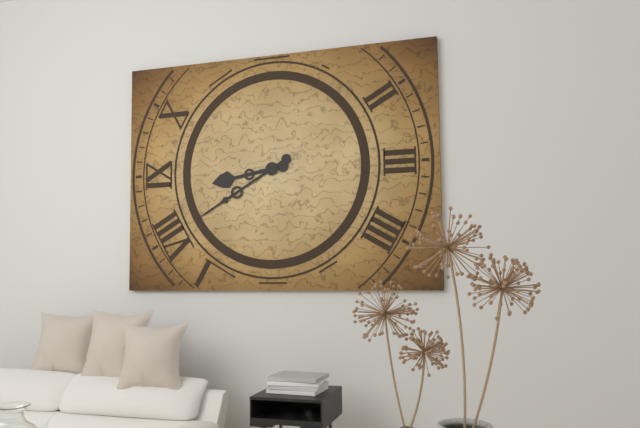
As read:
**8:40**
